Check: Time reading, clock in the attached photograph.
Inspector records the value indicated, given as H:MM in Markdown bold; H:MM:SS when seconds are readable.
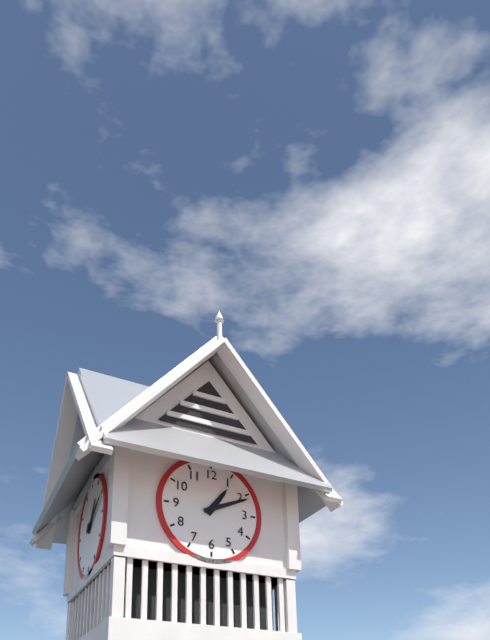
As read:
**1:11**
